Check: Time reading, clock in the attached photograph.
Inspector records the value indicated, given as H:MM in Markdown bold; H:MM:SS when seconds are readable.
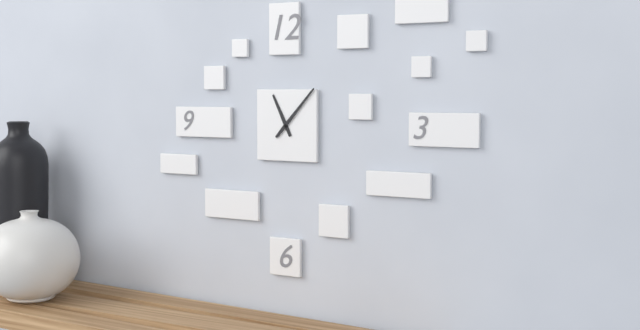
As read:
**11:07**
